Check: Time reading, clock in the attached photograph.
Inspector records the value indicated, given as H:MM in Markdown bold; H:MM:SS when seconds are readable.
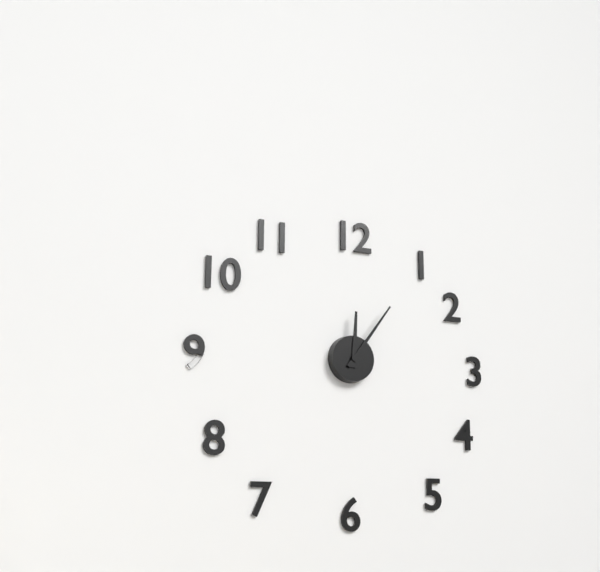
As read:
**12:06**
